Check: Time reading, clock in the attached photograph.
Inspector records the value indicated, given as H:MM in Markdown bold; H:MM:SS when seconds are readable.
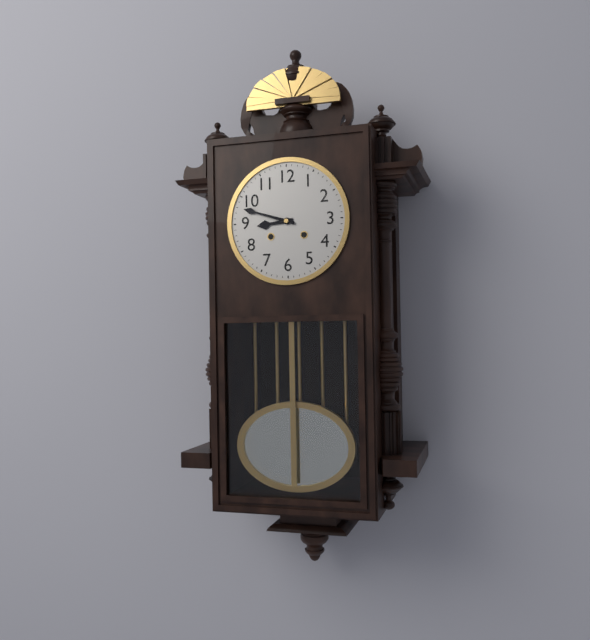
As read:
**8:48**
